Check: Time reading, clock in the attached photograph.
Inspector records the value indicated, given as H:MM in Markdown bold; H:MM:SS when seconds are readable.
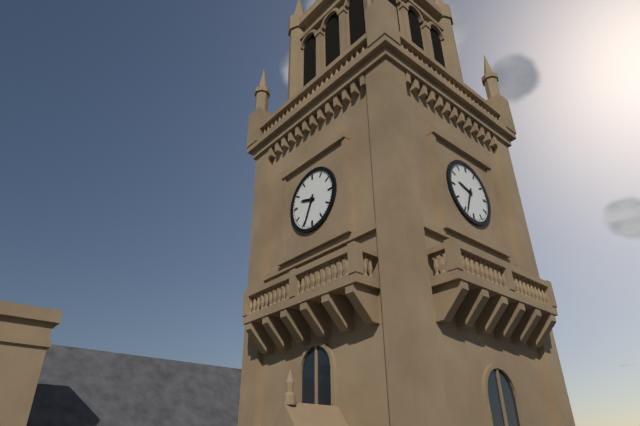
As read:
**9:34**
